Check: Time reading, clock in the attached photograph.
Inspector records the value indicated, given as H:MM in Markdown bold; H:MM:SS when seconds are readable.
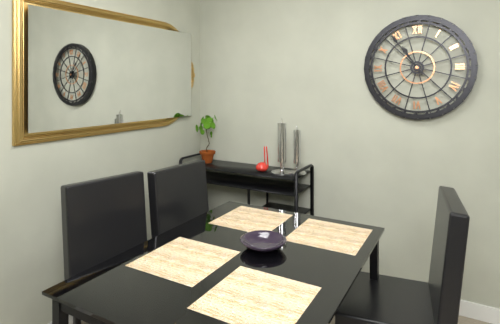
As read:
**10:54**
